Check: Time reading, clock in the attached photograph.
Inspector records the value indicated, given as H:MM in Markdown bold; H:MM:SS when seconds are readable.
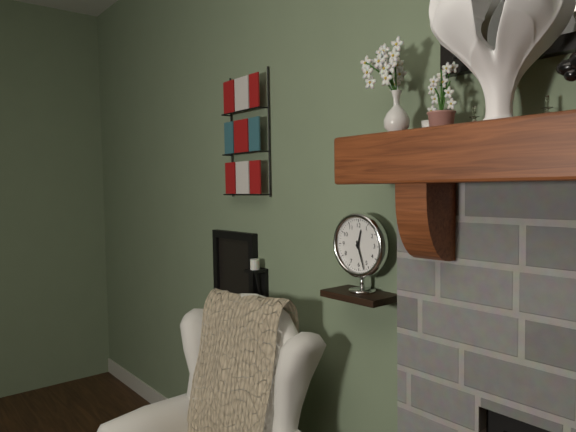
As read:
**12:27**
